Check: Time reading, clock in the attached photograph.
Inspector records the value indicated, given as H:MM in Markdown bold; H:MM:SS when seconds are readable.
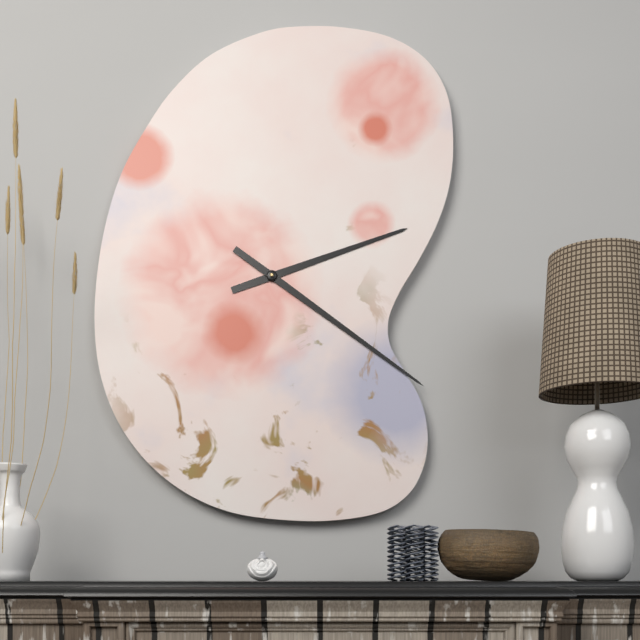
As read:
**2:21**
